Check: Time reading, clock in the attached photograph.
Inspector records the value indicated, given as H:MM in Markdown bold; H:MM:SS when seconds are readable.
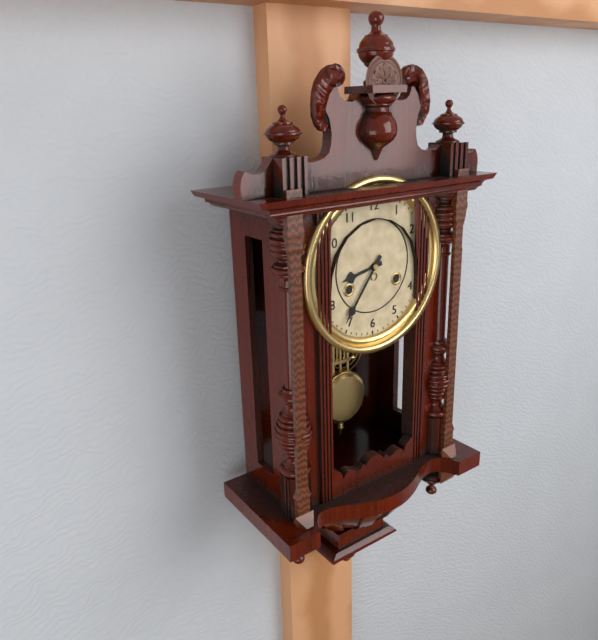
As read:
**8:36**
